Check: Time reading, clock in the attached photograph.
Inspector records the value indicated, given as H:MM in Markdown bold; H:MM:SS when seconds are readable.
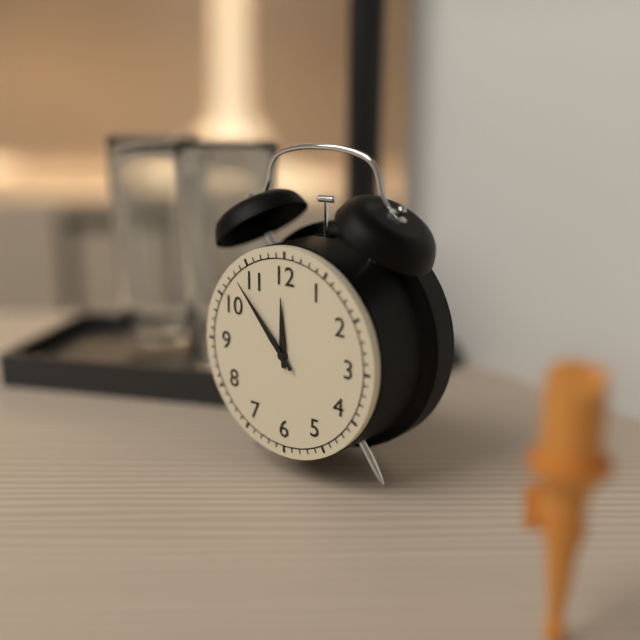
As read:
**11:53**
